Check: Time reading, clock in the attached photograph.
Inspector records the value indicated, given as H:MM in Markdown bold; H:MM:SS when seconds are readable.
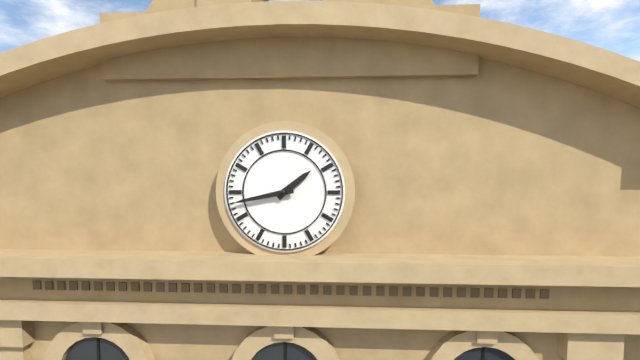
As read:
**1:43**
